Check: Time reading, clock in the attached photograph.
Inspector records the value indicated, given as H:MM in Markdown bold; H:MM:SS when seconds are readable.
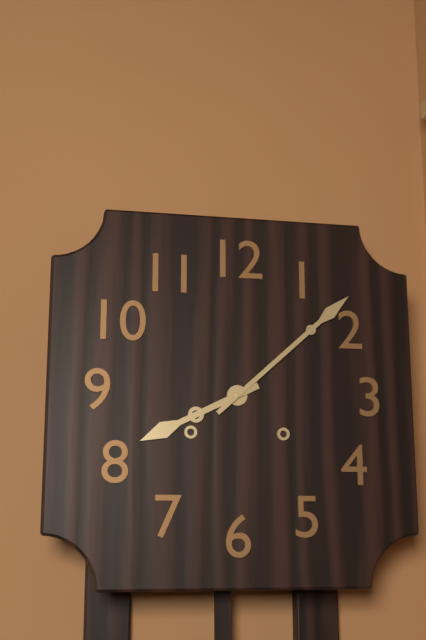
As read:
**8:08**
